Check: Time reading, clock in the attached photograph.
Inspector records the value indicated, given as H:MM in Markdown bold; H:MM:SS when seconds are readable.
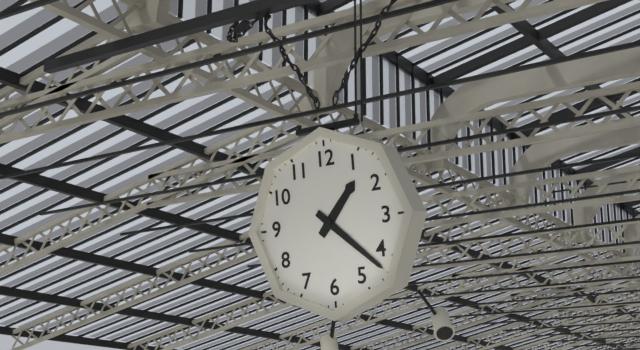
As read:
**1:22**
